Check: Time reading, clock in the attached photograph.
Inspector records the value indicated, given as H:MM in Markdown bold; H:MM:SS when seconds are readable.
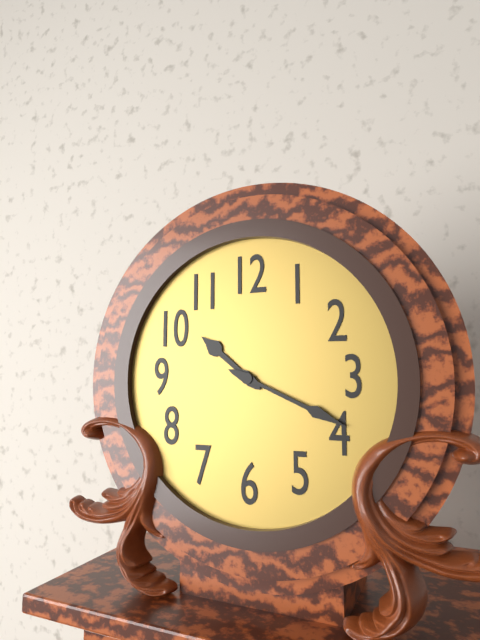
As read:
**10:19**
